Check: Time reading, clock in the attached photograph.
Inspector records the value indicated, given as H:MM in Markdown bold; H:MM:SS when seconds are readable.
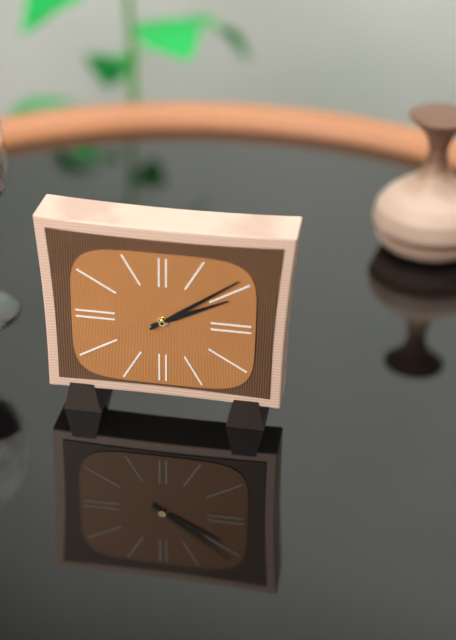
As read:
**2:09**
